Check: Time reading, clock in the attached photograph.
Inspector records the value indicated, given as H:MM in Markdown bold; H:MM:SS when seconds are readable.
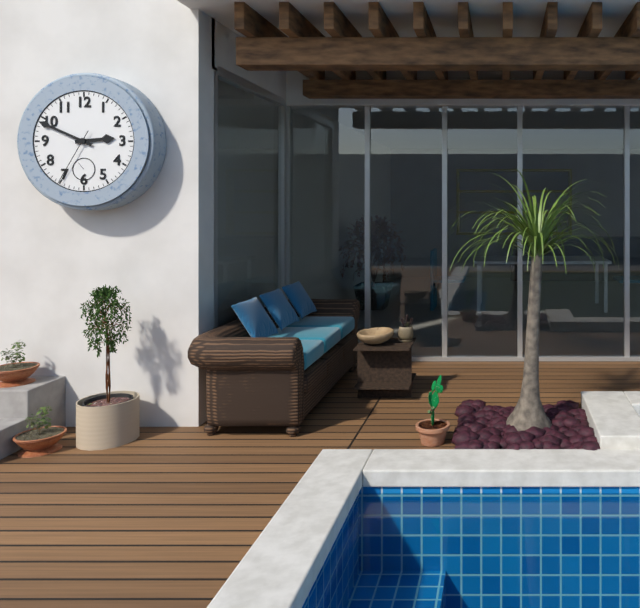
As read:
**2:49:35**
